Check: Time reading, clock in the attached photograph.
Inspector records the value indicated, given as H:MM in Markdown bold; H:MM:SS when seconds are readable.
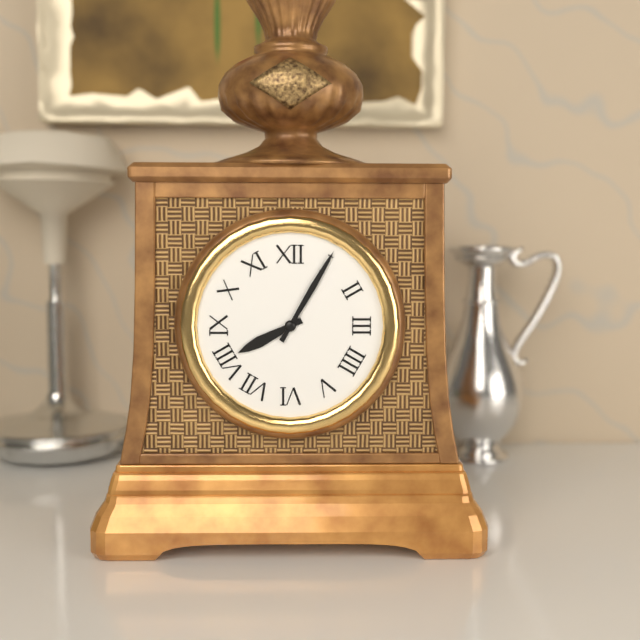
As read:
**8:05**
